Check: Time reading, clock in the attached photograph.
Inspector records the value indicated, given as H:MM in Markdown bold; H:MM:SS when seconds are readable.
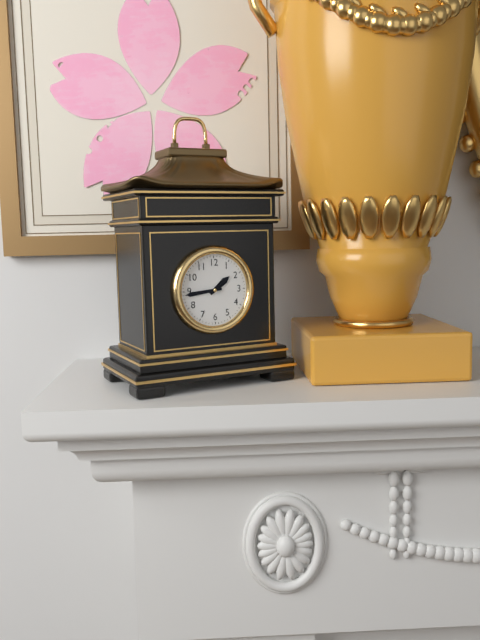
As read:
**1:44**
